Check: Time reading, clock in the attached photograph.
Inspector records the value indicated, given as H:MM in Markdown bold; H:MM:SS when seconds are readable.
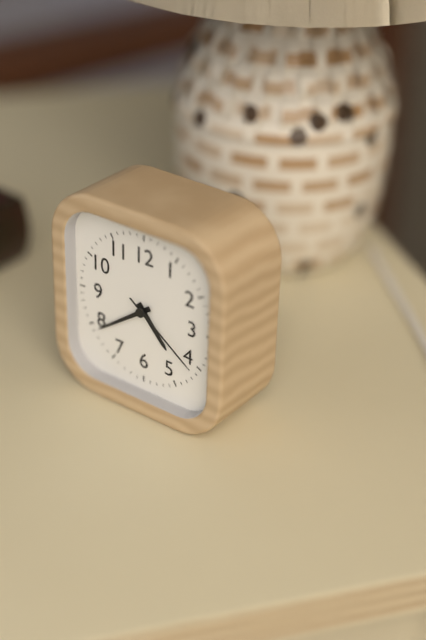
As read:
**4:39:21**
